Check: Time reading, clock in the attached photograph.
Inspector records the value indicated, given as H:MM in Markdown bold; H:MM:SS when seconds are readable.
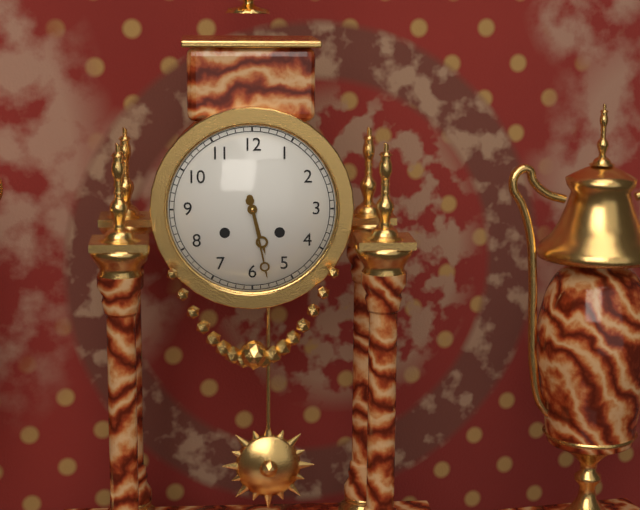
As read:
**5:28**
